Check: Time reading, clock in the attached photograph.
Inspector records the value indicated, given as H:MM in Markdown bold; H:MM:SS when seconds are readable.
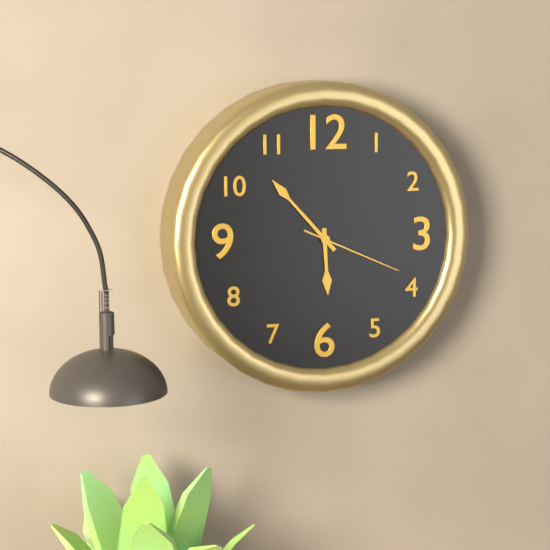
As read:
**5:53:19**
